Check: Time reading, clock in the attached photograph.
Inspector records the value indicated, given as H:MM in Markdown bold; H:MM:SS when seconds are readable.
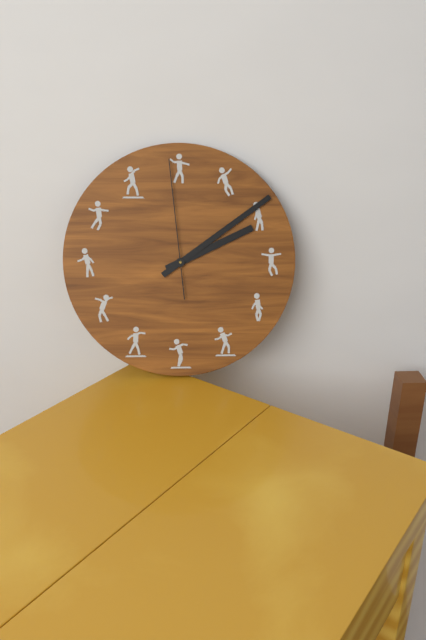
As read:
**2:09:59**
